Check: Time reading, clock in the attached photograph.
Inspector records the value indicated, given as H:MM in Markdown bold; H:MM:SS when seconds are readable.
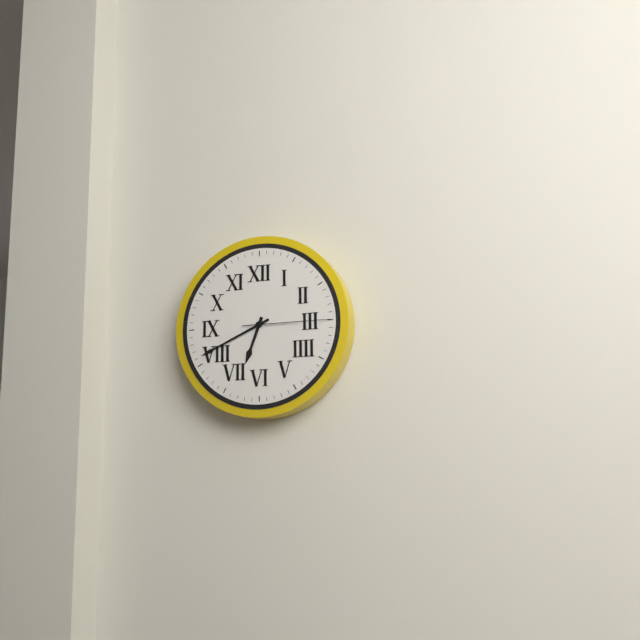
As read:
**6:41:15**
